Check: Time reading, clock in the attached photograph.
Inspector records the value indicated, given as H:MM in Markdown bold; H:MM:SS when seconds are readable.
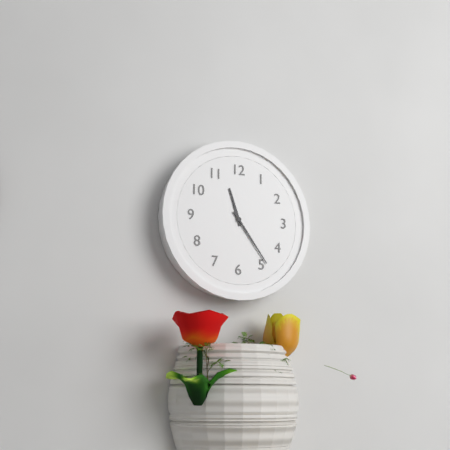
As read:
**11:24**
